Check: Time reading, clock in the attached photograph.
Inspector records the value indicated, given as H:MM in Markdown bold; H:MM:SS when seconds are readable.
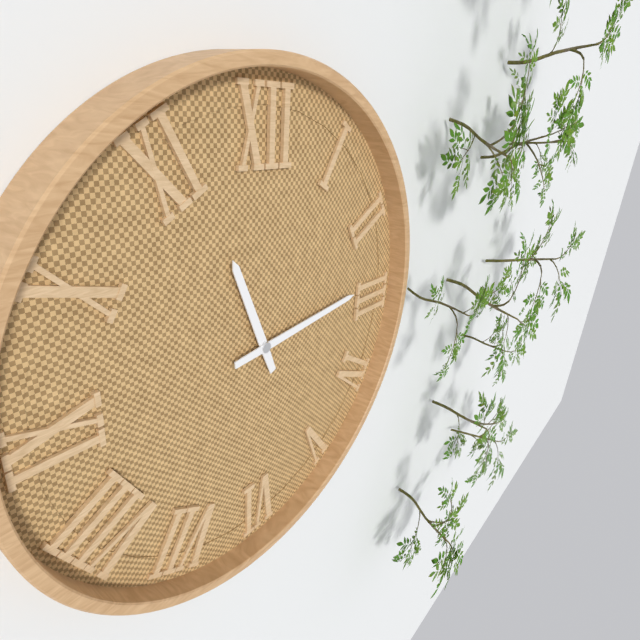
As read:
**11:14**
